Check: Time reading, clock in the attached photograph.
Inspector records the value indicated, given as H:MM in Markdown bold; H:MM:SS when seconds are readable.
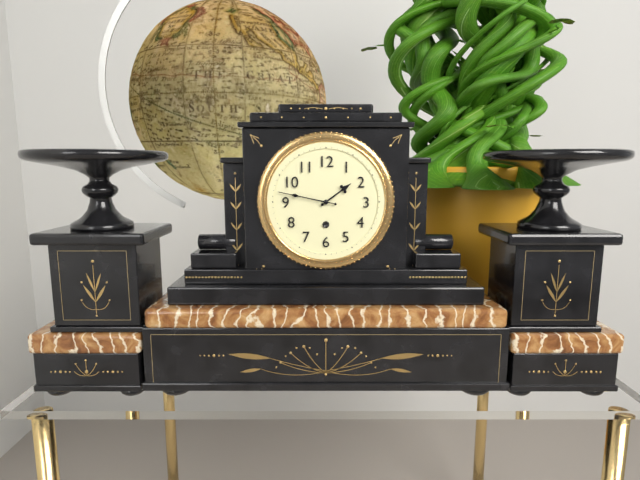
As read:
**1:47**
